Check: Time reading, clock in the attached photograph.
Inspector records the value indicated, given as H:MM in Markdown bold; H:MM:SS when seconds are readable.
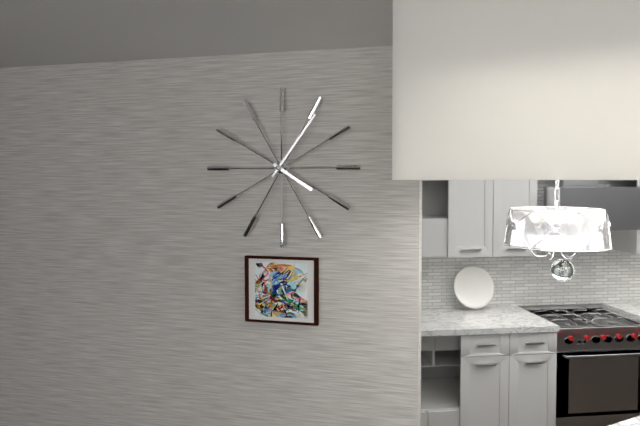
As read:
**4:06**
